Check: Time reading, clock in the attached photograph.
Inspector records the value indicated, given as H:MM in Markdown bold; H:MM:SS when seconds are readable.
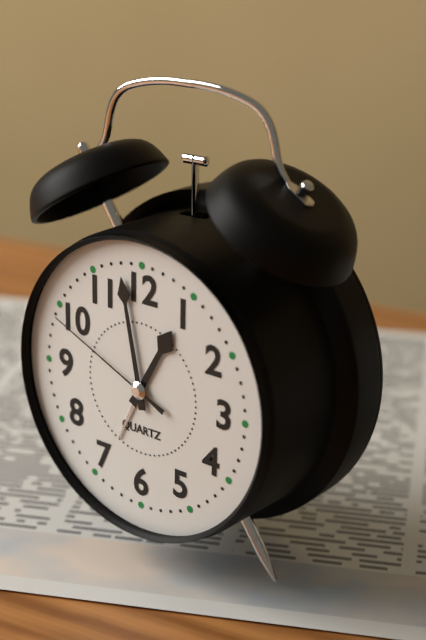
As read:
**12:58:49**
